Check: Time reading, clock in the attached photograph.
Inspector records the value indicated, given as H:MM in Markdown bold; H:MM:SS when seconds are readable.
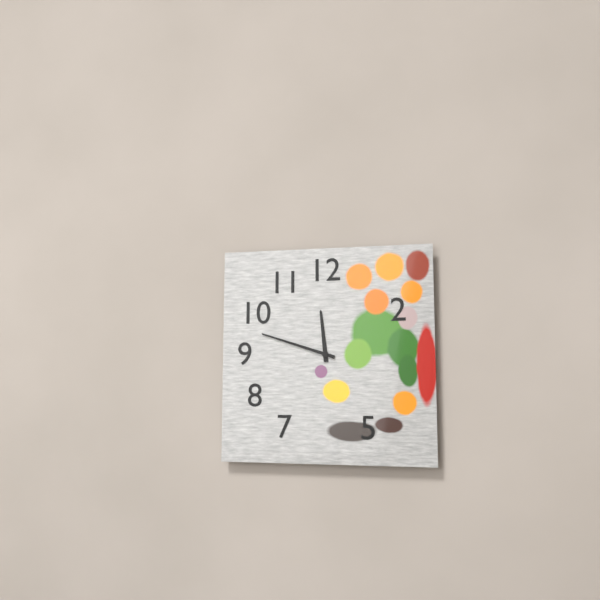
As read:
**11:48**
